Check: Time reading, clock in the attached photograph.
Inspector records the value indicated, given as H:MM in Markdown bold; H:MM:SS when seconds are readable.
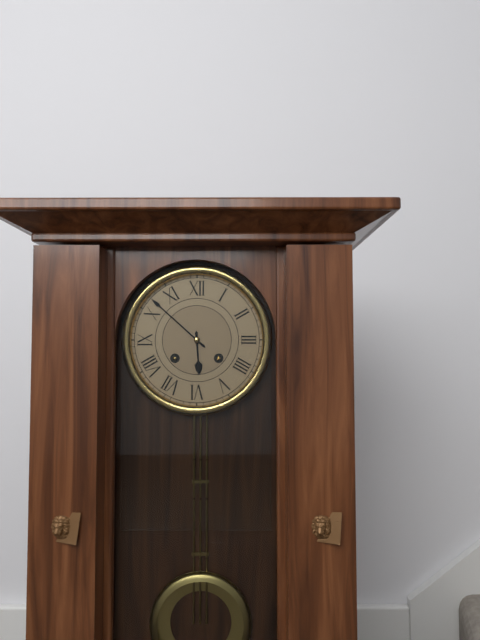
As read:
**5:52**
